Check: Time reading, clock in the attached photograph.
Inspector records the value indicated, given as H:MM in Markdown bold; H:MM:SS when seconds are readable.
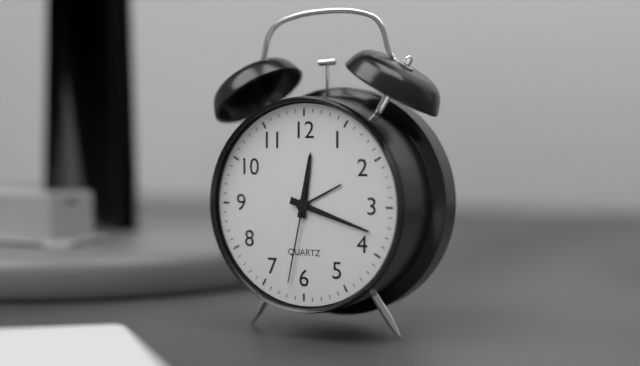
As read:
**12:18:32**
